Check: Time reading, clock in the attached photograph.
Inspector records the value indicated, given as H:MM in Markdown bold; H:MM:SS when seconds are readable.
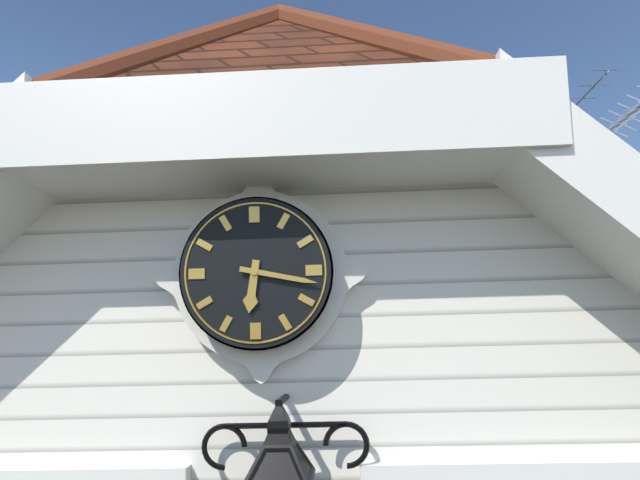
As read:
**6:17**
